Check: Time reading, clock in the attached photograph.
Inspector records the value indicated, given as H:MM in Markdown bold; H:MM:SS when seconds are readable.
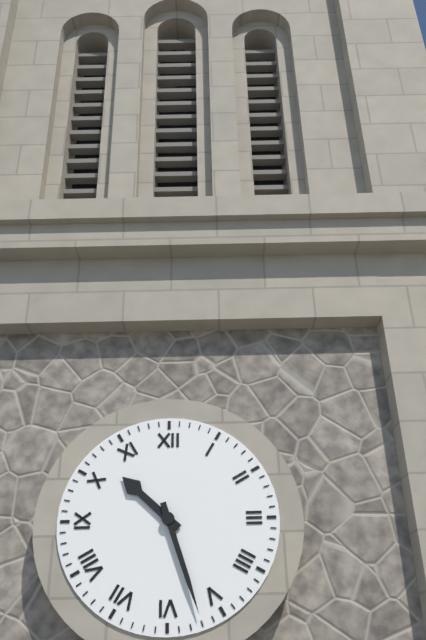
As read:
**10:27**
